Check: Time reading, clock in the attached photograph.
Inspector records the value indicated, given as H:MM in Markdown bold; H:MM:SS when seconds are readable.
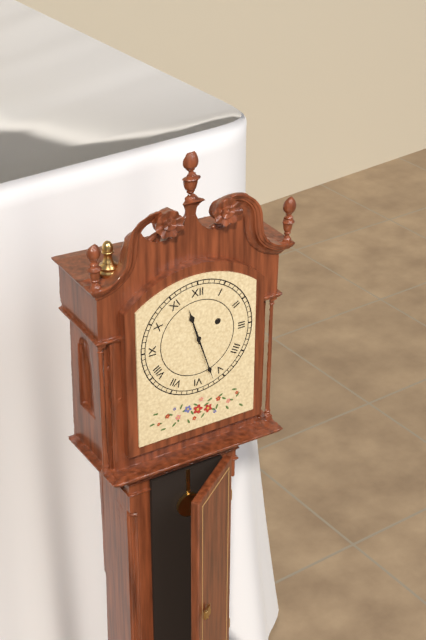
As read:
**11:27**
